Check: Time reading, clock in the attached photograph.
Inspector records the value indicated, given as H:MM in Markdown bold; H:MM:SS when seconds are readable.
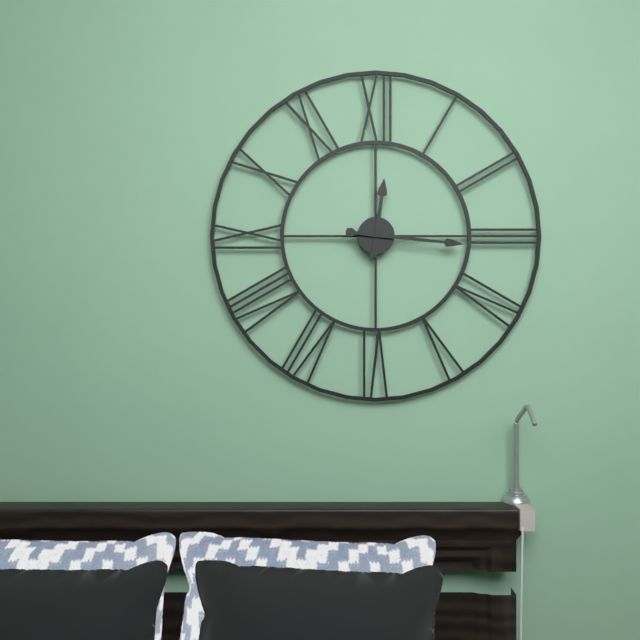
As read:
**12:16**
